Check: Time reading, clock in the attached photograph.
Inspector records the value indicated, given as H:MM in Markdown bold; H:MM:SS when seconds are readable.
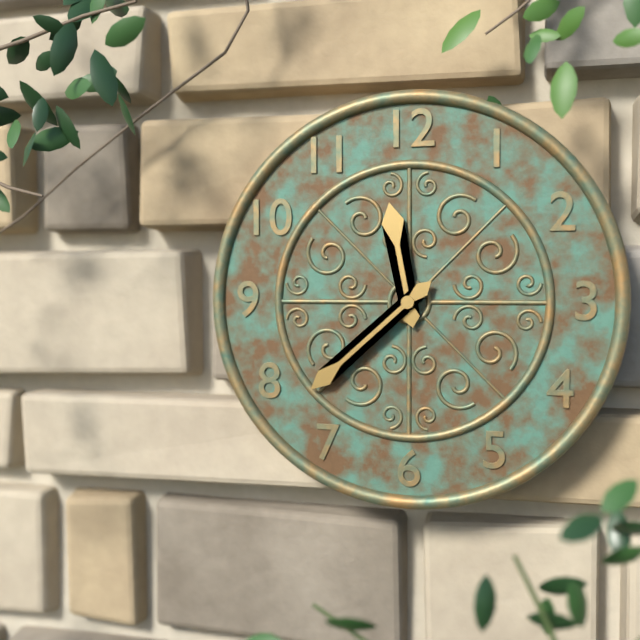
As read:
**11:38**
